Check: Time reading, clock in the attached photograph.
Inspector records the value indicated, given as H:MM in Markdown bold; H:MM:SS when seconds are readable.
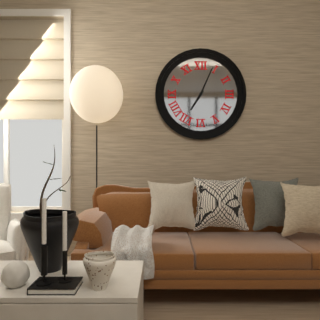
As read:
**7:04**
